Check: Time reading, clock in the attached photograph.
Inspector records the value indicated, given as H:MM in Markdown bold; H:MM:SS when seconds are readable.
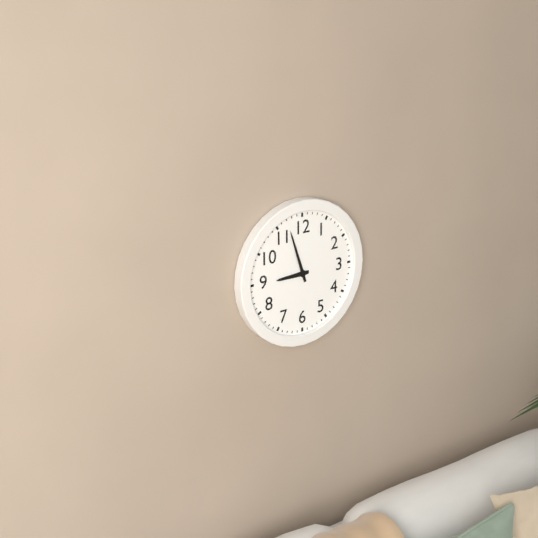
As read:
**8:57**
